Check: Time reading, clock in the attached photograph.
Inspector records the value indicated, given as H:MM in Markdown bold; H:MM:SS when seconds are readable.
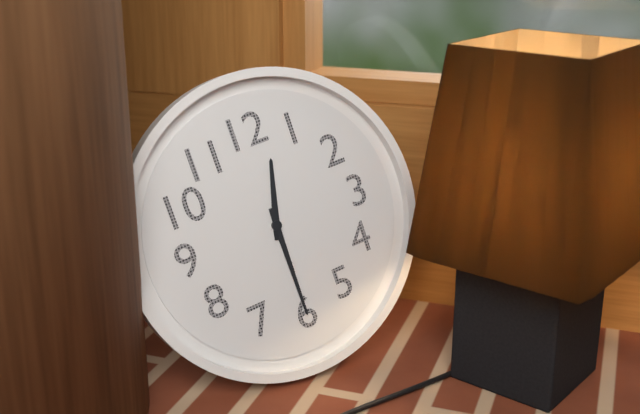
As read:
**12:30**
